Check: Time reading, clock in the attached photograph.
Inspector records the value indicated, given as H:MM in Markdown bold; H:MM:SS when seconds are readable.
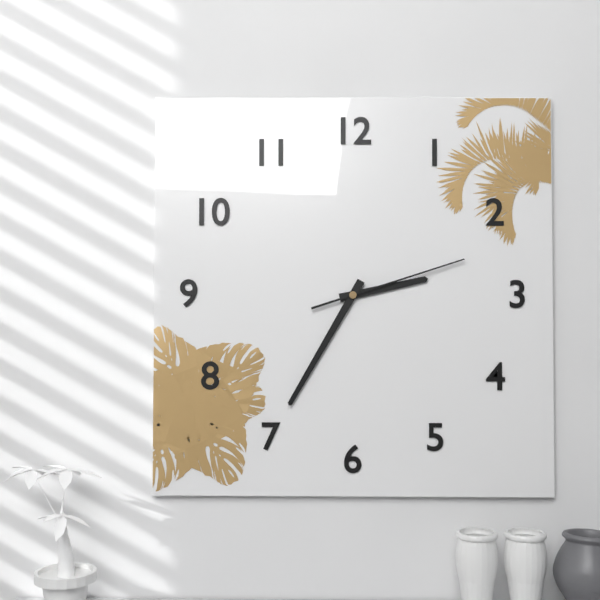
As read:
**2:35:12**
